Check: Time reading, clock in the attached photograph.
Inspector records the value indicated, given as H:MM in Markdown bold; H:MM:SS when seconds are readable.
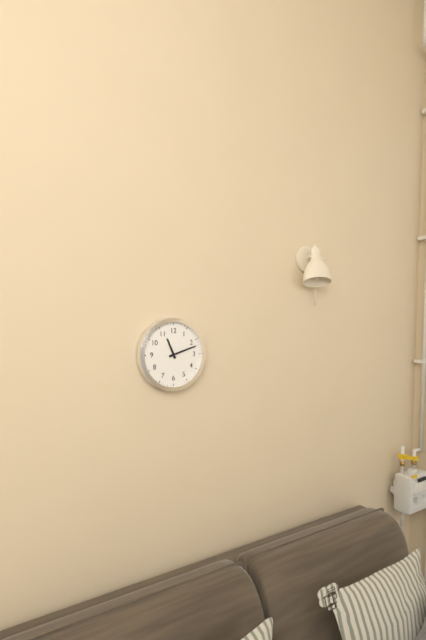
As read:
**11:12**
